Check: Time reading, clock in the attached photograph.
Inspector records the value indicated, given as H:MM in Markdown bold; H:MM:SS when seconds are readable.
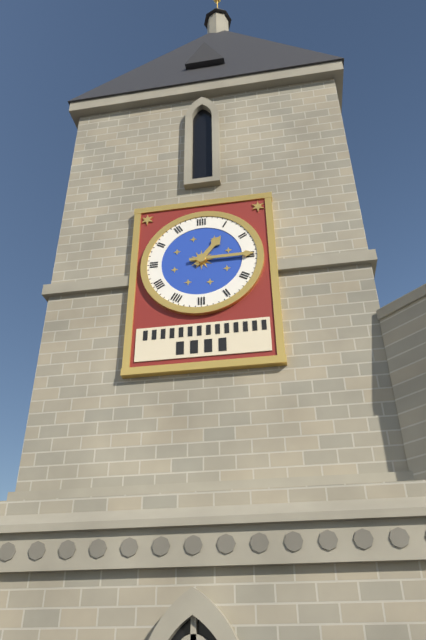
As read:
**1:15**
